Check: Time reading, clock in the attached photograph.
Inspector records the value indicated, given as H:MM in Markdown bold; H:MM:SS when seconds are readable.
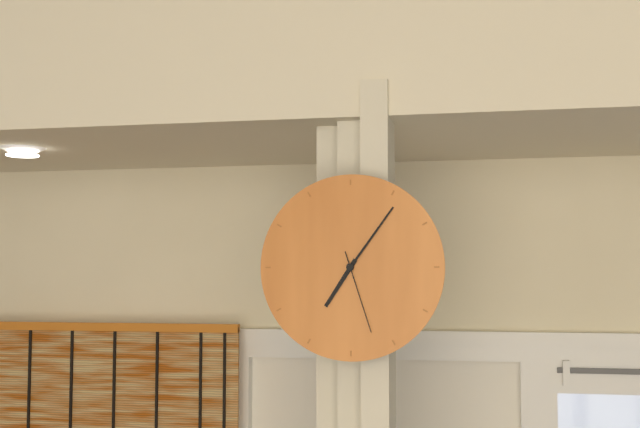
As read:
**7:06:27**
